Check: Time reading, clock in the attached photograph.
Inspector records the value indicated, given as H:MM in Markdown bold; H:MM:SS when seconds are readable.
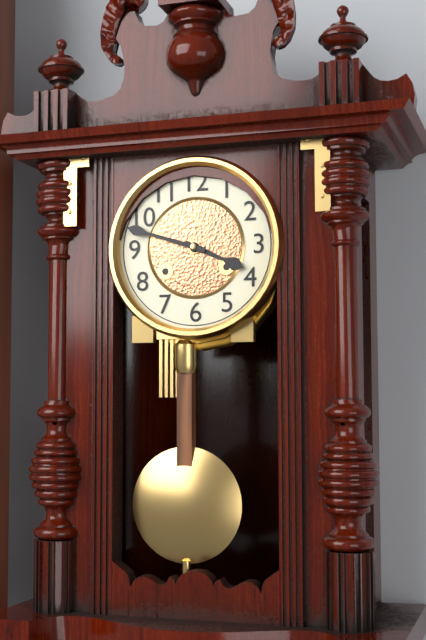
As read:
**3:48**
